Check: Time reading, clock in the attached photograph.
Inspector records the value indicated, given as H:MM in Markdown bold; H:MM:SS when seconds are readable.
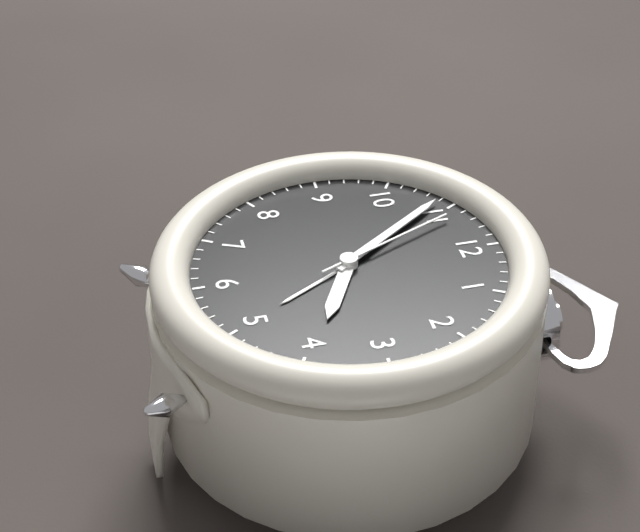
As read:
**3:54:56**
